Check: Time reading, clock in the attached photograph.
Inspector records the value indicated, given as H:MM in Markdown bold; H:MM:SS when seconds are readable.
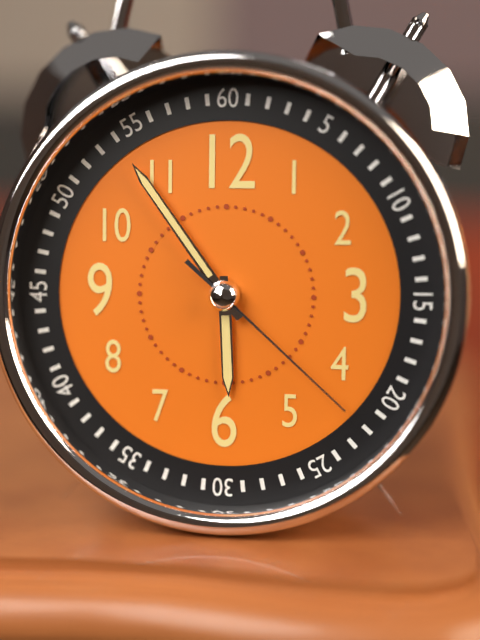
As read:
**5:54:22**
